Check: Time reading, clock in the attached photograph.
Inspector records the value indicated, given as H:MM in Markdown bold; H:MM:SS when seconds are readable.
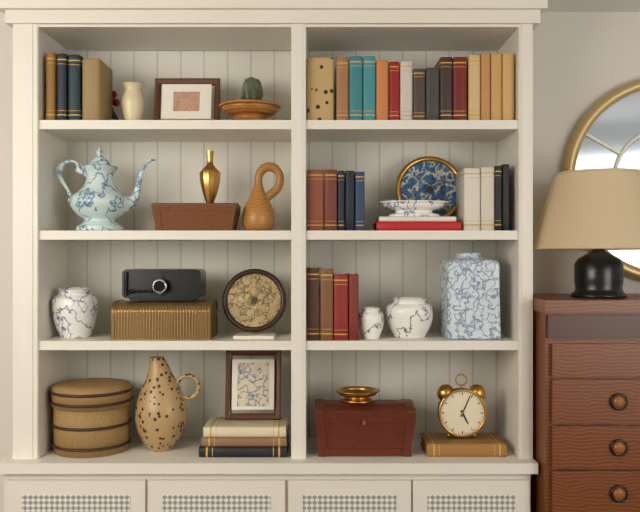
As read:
**5:04**
